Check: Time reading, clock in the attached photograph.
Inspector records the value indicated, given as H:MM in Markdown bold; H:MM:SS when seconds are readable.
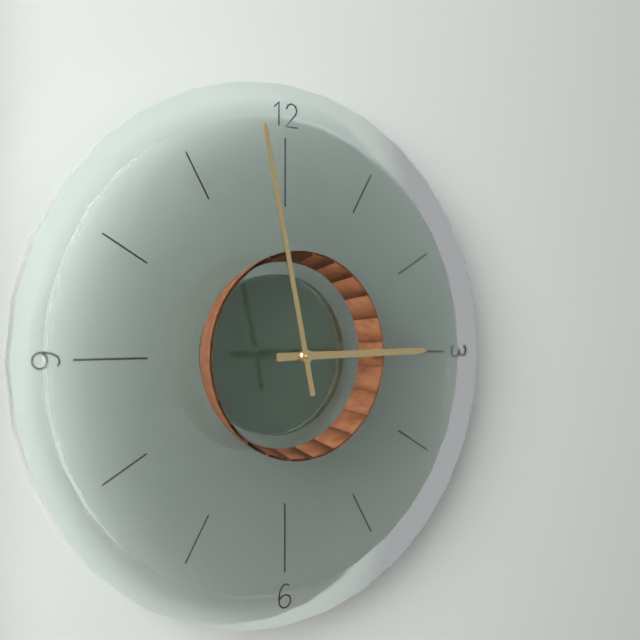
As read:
**2:58**
